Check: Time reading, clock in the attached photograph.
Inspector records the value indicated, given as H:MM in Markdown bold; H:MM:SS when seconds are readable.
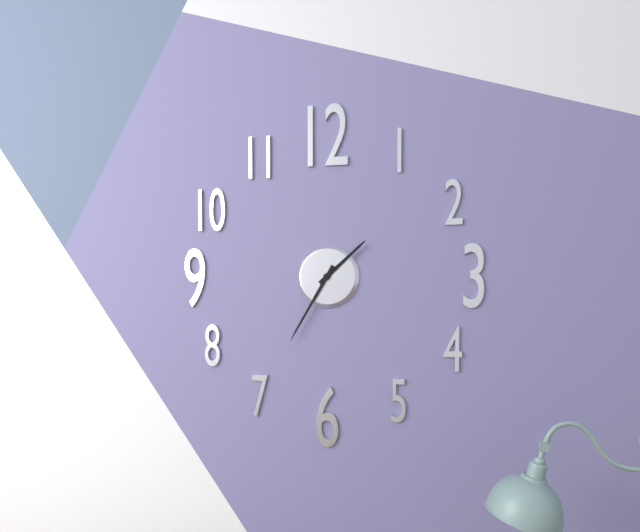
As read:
**1:35**
